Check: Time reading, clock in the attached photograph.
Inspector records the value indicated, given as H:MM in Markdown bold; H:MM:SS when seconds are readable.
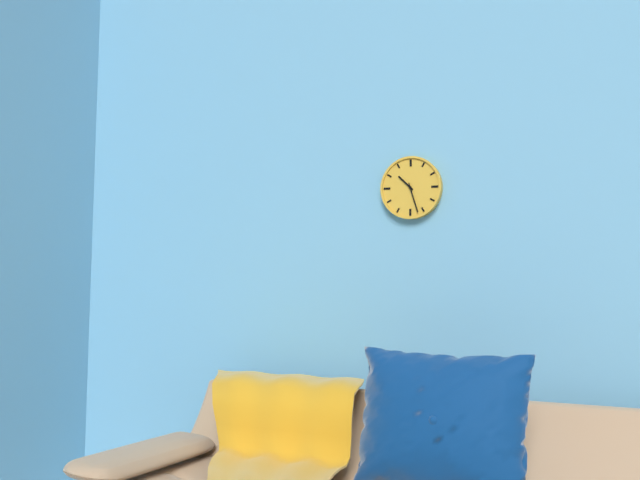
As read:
**10:27**
